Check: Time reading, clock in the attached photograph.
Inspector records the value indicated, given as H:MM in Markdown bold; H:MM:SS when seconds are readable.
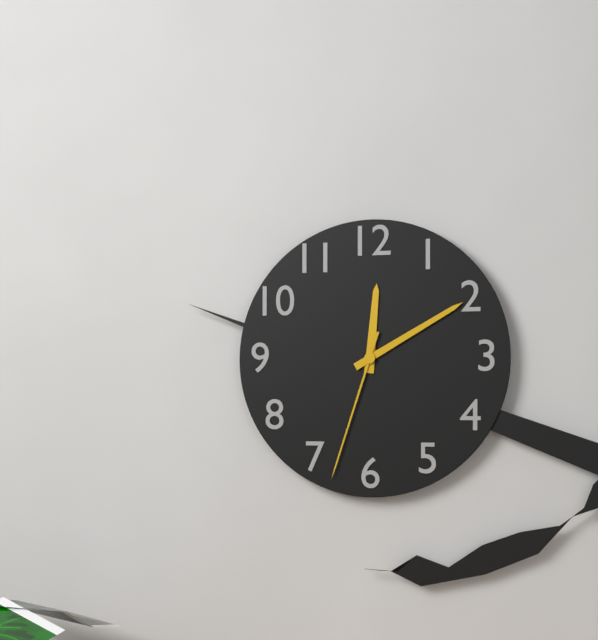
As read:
**12:10:33**
